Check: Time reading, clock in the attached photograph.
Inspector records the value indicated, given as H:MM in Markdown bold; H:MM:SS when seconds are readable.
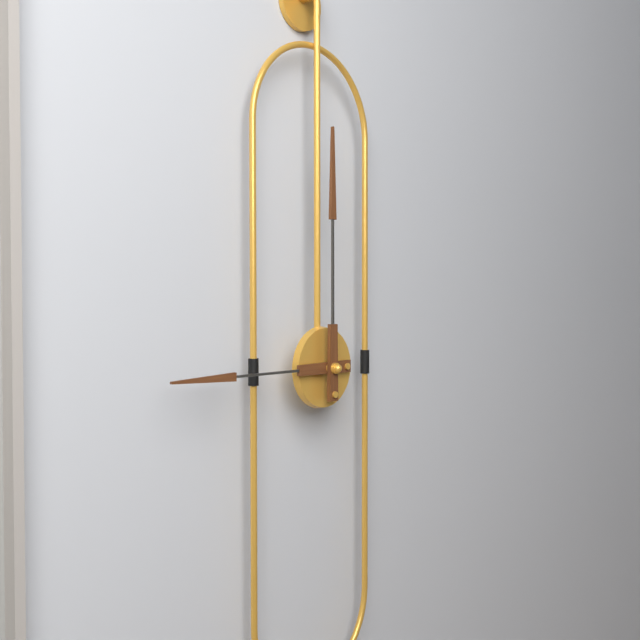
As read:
**9:00**
